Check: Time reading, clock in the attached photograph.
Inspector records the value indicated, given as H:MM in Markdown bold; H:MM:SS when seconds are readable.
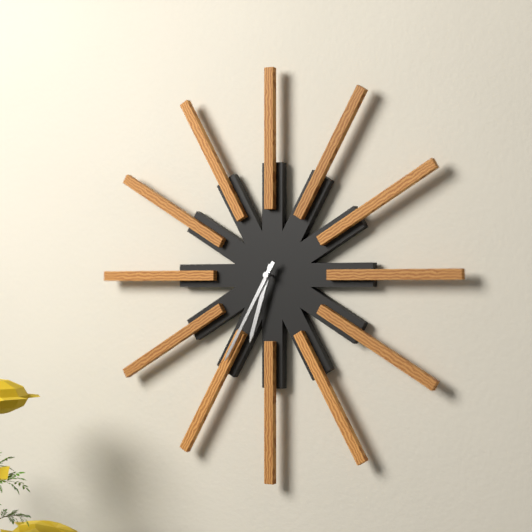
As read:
**6:35**
